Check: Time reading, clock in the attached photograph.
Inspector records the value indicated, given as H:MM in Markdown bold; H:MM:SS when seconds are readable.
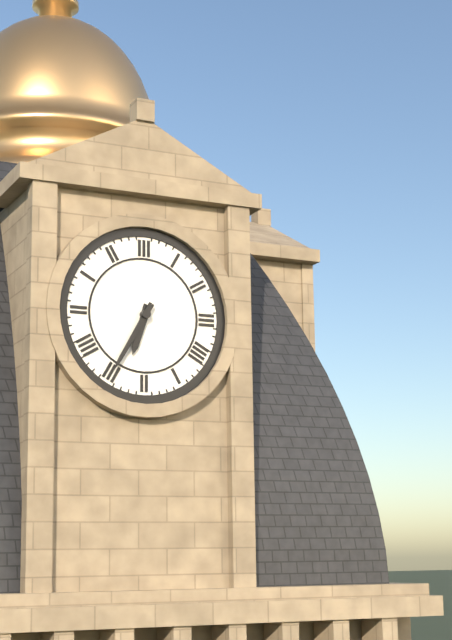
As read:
**6:35**
